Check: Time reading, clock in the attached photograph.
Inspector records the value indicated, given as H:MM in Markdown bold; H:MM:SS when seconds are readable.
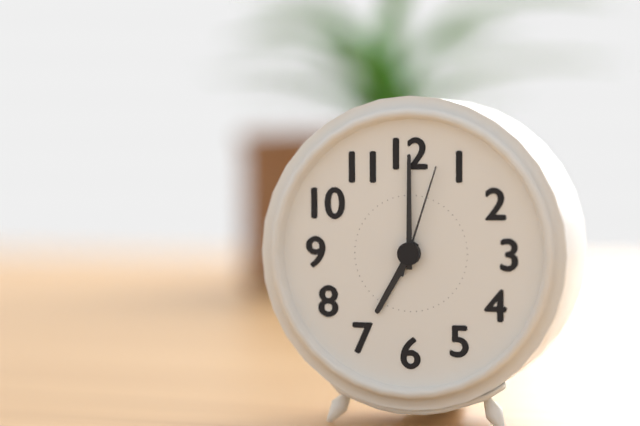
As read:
**7:00:03**
